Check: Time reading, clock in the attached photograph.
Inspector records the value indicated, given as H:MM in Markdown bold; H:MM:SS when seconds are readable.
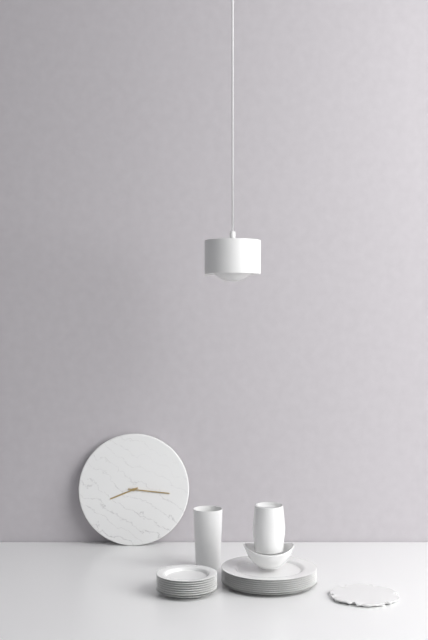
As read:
**8:16**
